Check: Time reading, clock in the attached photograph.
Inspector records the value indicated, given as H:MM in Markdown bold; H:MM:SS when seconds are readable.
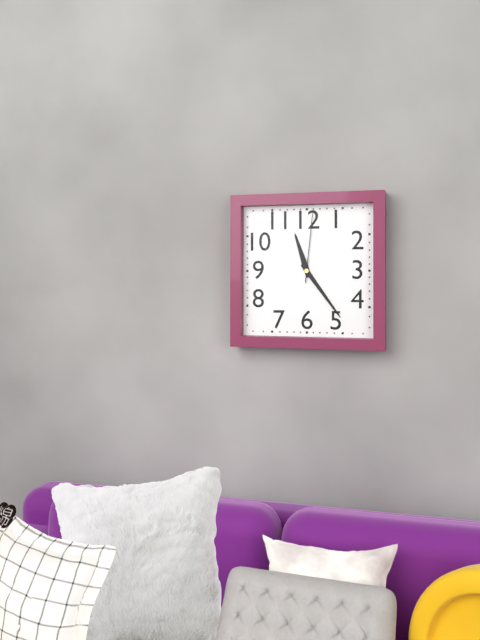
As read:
**11:24:01**
